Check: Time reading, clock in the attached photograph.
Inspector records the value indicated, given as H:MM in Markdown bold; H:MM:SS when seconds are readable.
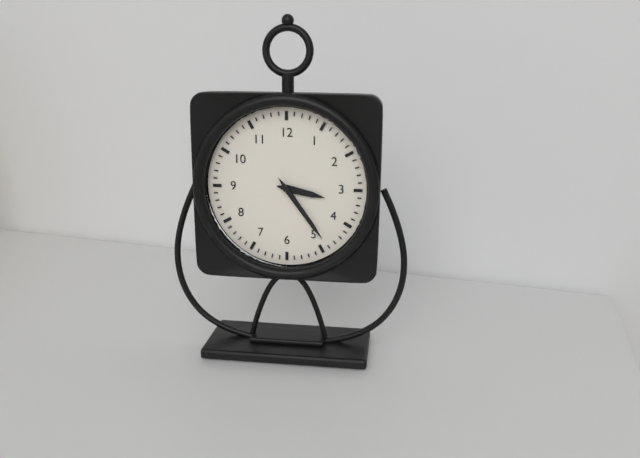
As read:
**3:24**
